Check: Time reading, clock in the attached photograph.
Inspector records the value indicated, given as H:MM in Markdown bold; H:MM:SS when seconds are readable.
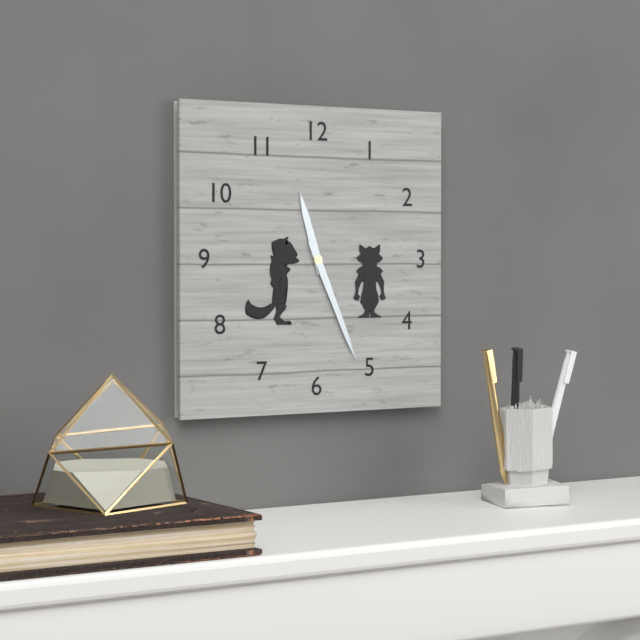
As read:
**11:26**
